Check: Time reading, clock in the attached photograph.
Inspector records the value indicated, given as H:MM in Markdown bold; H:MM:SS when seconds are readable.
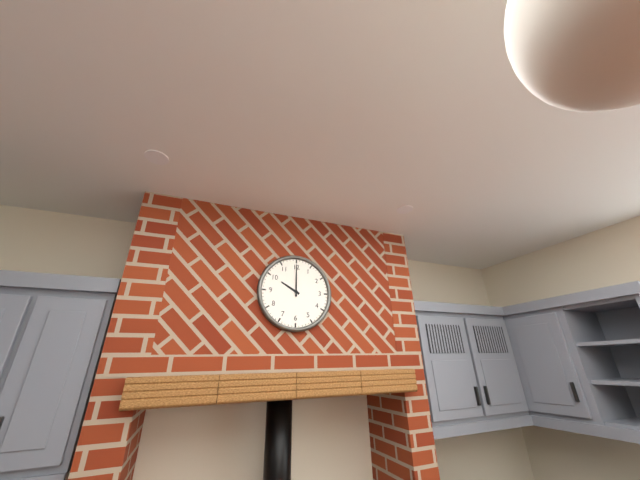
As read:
**10:00**
